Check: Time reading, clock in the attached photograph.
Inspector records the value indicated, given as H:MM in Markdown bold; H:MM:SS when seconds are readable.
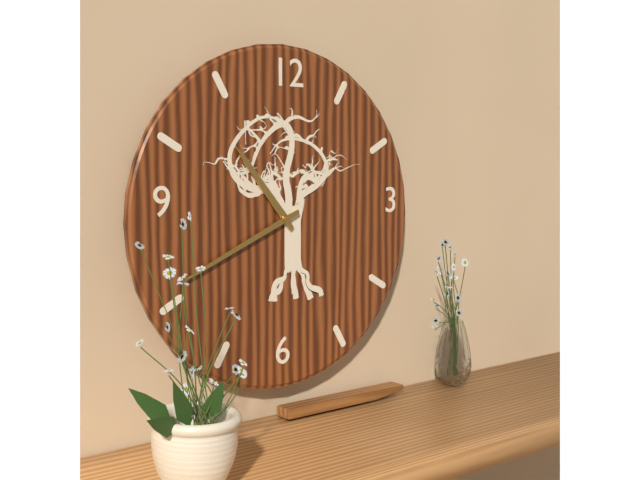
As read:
**10:41**
